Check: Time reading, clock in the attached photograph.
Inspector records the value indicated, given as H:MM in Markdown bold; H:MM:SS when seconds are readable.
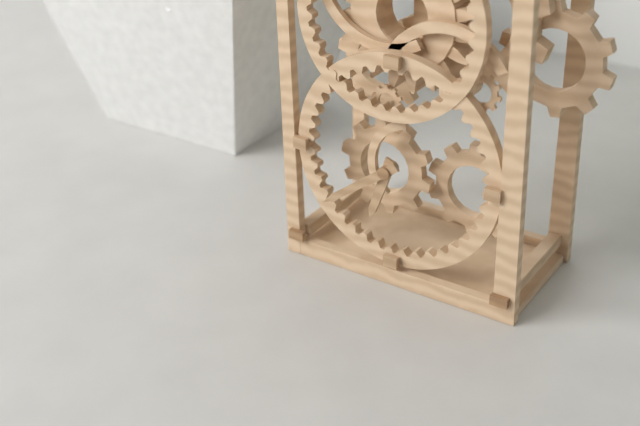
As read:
**6:39**
